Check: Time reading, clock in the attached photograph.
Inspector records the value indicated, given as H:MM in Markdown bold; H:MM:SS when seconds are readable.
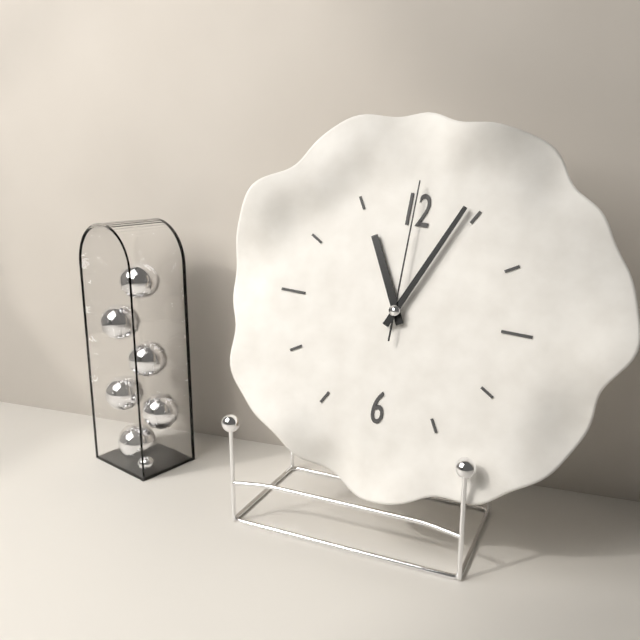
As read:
**11:04:00**
